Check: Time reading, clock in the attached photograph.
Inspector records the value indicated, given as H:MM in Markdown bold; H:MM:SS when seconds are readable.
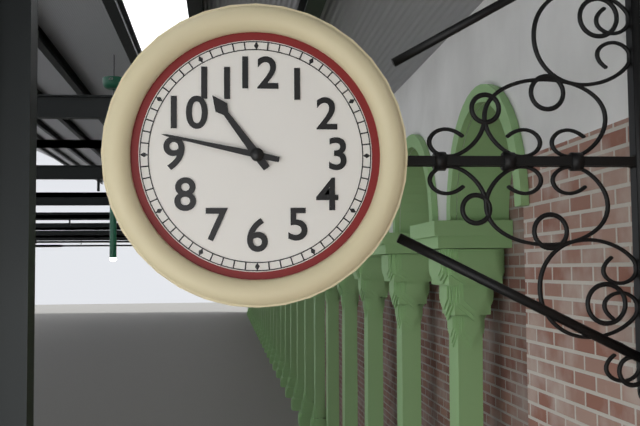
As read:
**10:47**
